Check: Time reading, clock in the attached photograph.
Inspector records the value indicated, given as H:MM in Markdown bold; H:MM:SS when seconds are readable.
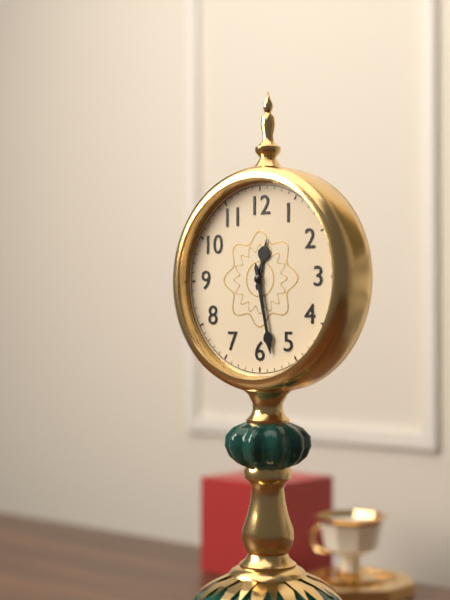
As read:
**12:28**
